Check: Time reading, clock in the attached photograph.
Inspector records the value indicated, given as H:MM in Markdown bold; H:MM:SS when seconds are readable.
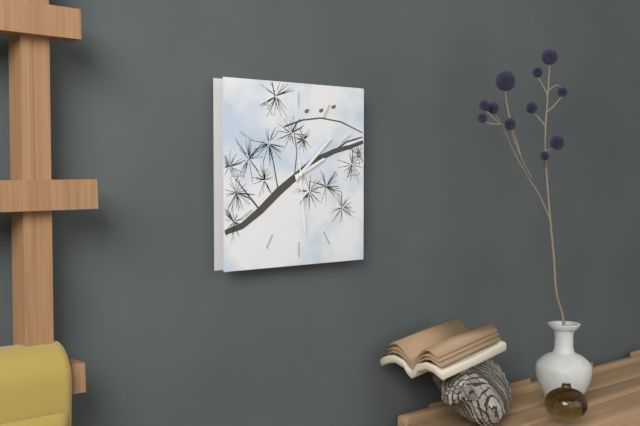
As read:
**2:08:29**
